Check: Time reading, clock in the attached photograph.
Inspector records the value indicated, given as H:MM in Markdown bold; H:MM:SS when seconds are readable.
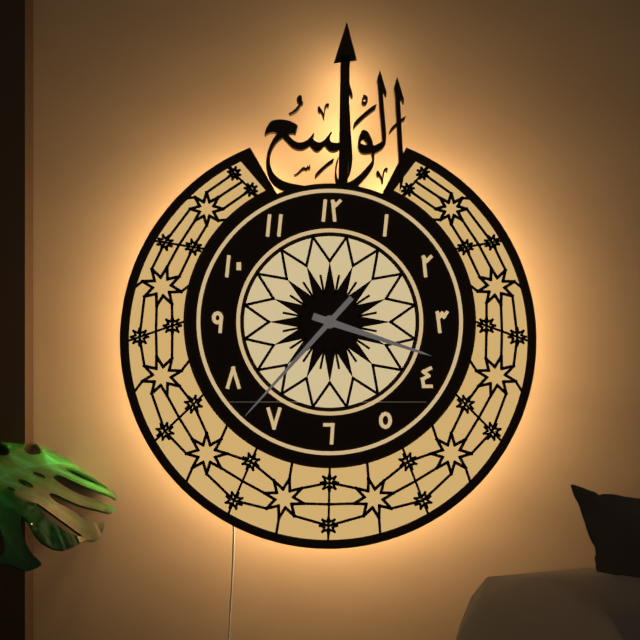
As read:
**3:37**
